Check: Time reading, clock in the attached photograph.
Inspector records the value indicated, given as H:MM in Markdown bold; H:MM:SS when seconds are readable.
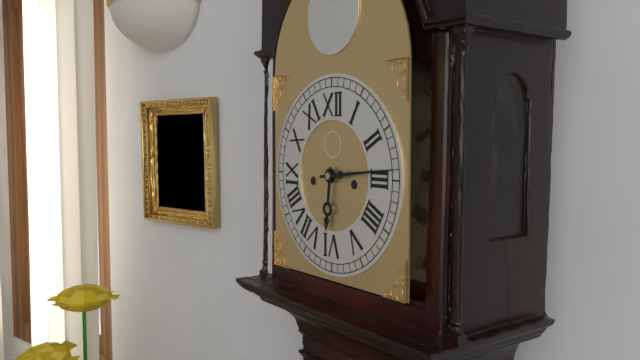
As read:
**6:14**
